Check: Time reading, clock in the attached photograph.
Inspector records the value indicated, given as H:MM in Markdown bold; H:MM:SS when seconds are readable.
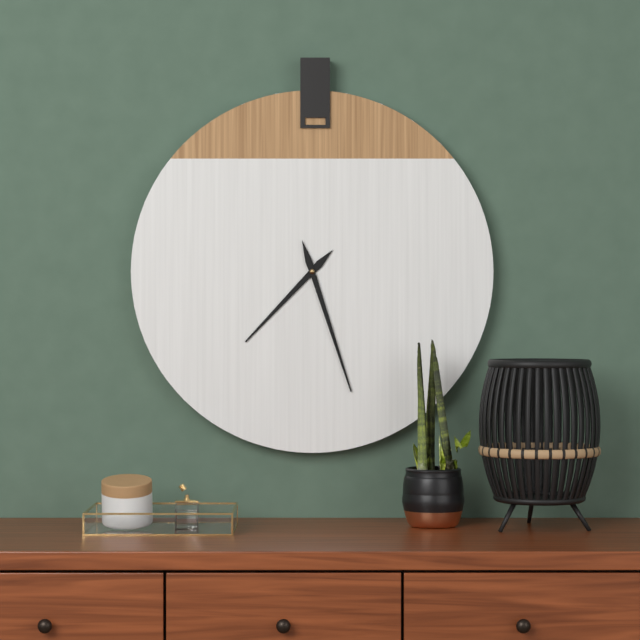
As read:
**7:27**
